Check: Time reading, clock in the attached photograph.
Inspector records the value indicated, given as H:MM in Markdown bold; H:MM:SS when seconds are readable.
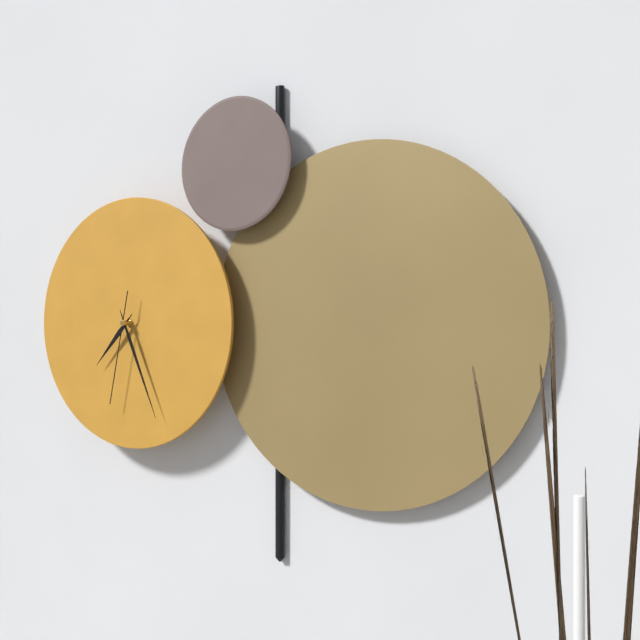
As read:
**7:26:32**
